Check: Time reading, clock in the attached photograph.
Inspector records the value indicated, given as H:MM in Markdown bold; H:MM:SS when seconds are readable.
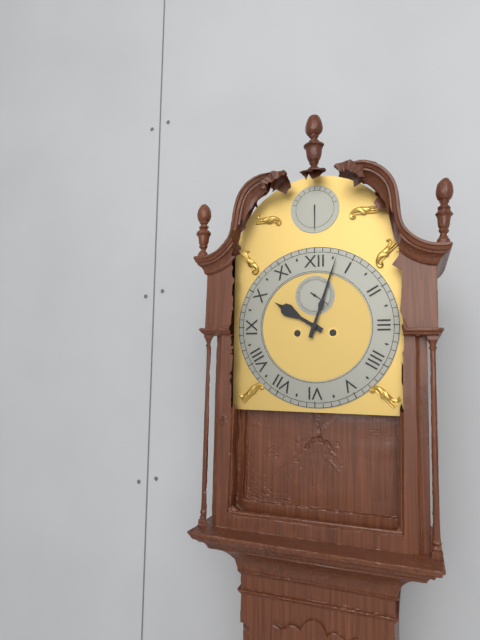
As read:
**10:03**
